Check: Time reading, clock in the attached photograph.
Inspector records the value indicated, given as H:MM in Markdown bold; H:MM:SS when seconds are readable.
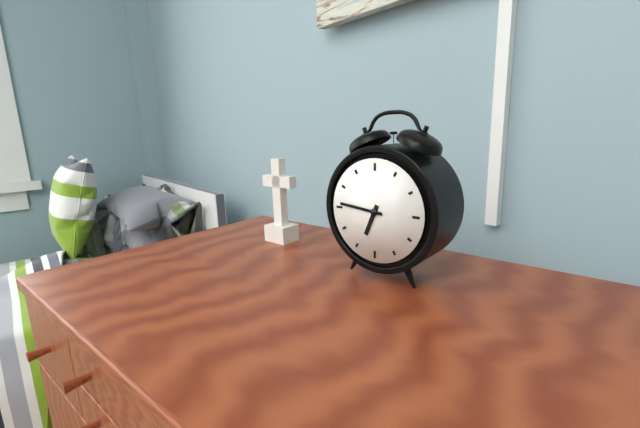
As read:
**6:46**
